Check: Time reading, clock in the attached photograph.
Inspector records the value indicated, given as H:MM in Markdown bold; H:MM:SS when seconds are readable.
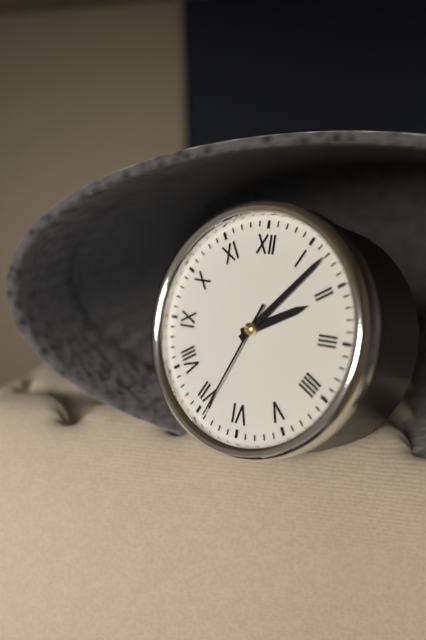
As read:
**2:07:34**
